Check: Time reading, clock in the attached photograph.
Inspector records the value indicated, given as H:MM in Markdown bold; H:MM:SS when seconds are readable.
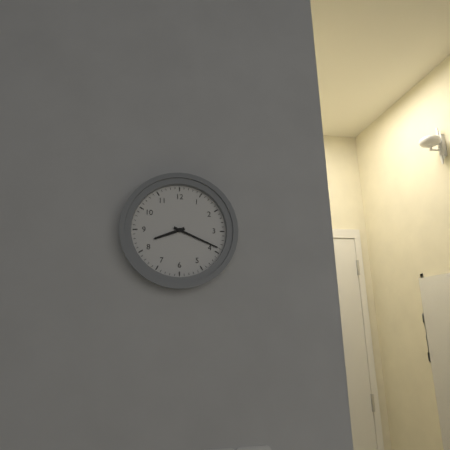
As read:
**8:19**
